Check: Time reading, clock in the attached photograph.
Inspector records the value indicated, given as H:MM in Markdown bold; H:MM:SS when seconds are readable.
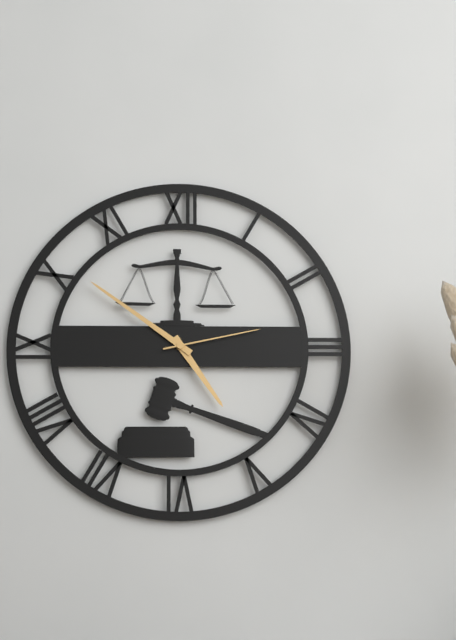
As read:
**4:51:13**
